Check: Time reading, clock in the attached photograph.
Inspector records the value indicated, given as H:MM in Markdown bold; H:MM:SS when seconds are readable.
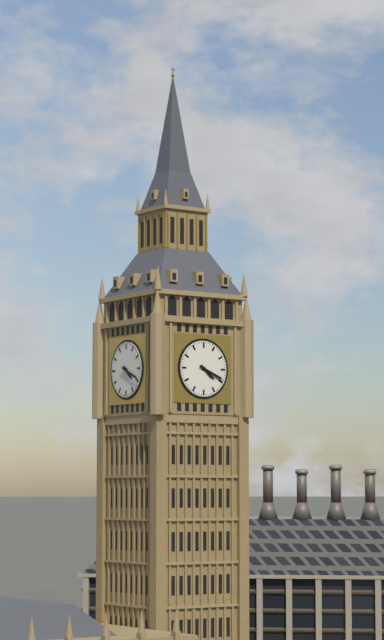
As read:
**4:19**
